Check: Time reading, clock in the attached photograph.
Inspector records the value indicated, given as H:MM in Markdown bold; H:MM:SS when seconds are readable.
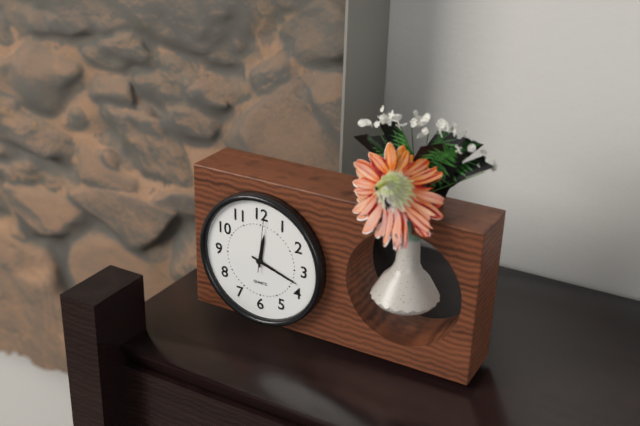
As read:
**12:18**
